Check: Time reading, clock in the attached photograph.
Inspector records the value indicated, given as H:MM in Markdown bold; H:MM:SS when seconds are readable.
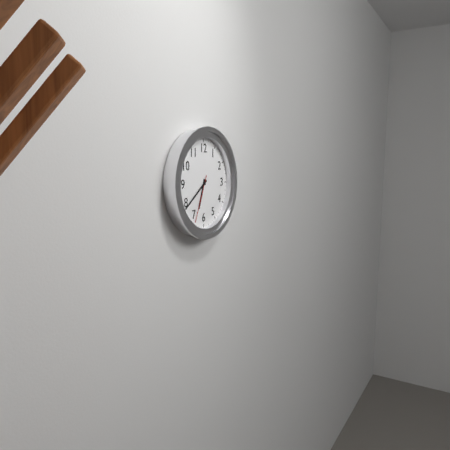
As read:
**6:39:34**
